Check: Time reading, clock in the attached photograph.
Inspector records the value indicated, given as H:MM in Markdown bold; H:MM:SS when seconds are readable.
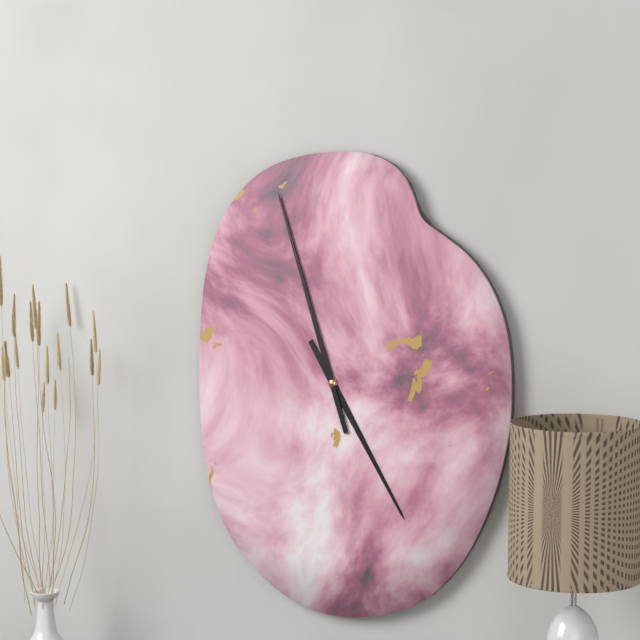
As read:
**4:57**
